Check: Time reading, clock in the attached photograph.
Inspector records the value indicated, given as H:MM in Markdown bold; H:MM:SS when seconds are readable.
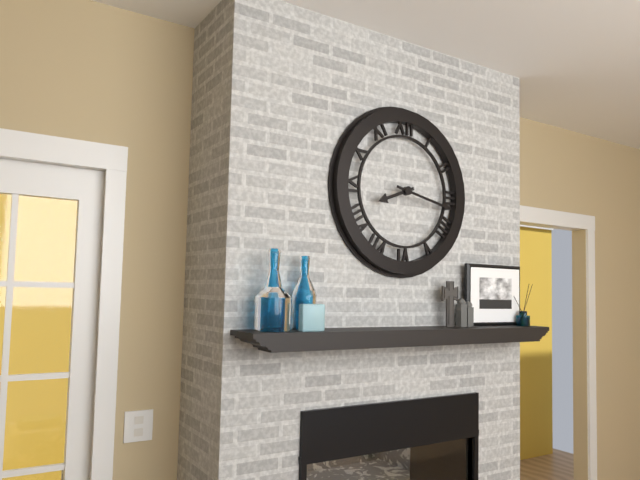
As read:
**8:17**
